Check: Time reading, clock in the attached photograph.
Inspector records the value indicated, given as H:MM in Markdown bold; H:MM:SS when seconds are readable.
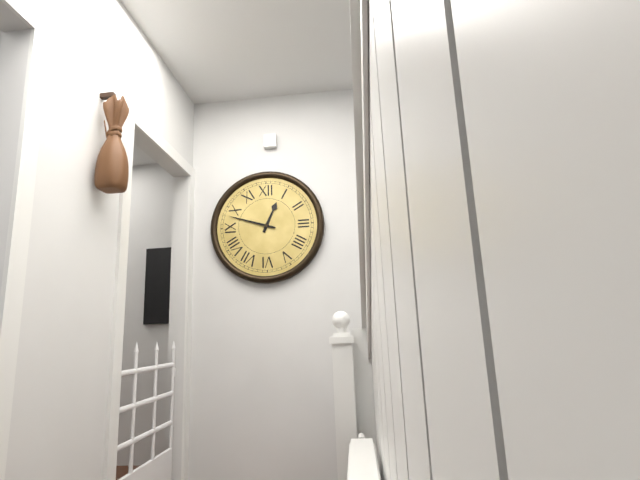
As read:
**12:48**
